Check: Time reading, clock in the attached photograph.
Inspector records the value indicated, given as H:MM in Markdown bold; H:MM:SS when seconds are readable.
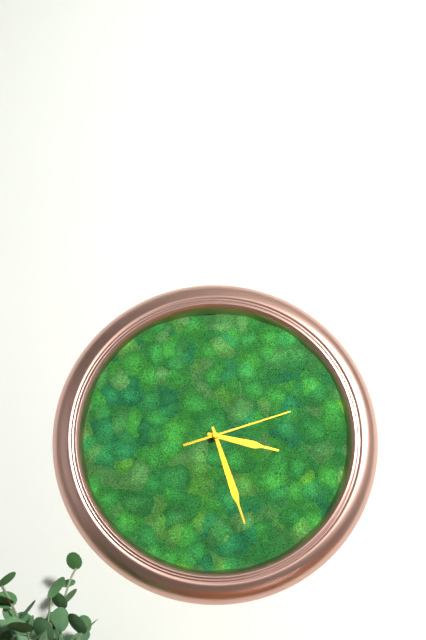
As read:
**3:27:12**
